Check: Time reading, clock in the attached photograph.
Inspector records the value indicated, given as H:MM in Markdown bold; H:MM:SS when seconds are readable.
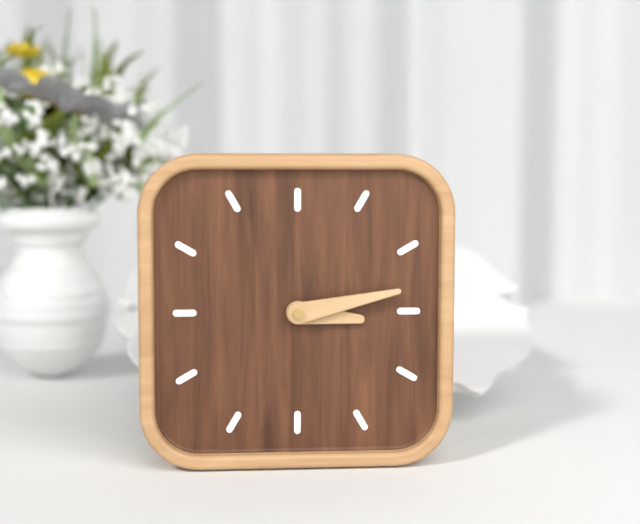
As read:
**3:13**
